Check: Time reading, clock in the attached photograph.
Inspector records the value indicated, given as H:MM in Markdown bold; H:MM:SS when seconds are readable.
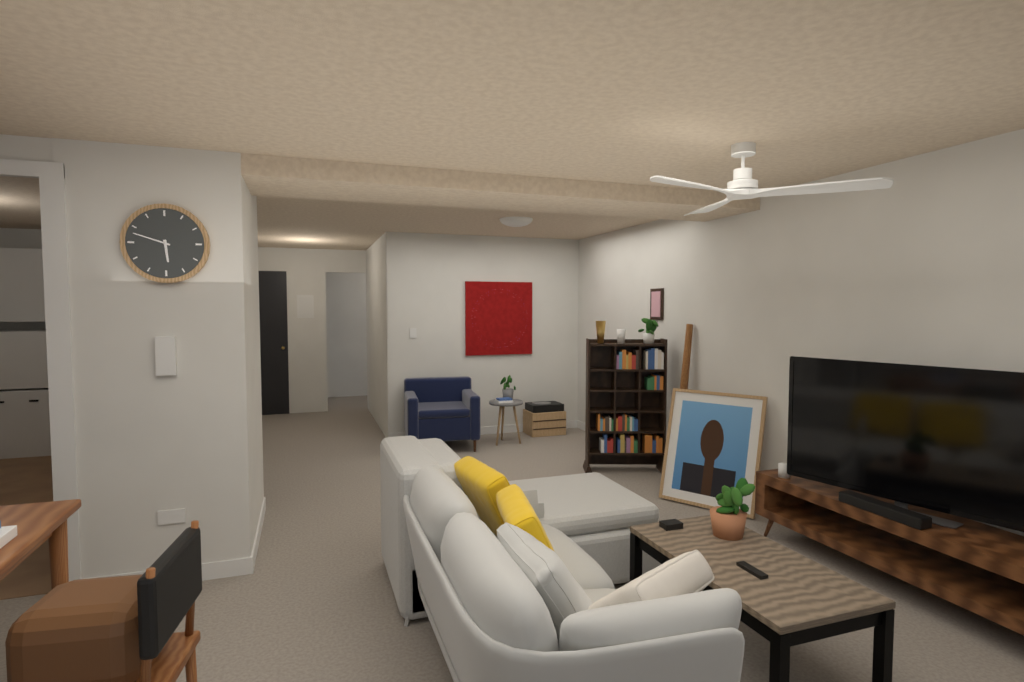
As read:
**5:48**
